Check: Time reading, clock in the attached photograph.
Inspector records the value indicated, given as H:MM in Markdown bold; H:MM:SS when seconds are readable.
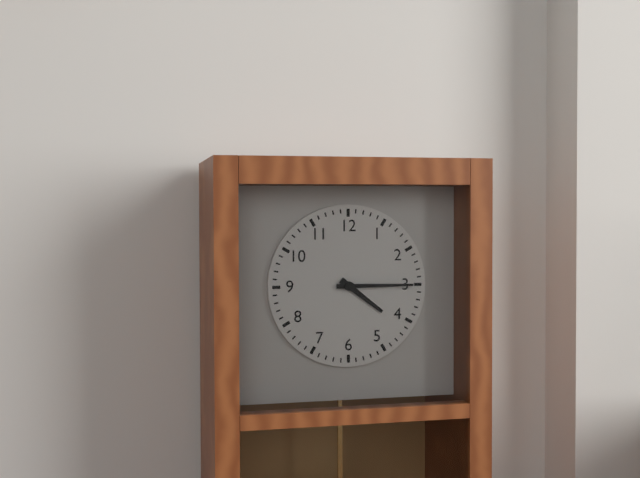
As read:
**4:15**
